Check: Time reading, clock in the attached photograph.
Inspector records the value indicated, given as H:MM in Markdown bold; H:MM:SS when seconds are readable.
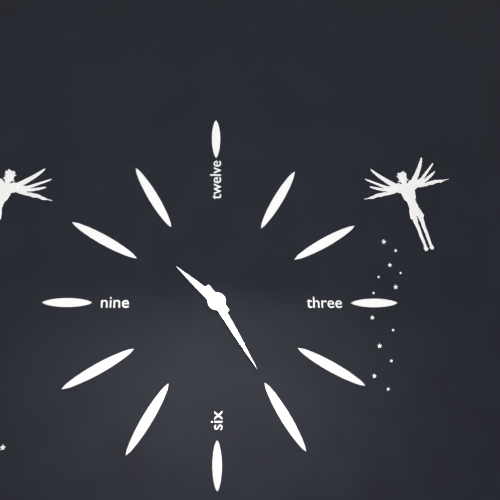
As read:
**10:25**
